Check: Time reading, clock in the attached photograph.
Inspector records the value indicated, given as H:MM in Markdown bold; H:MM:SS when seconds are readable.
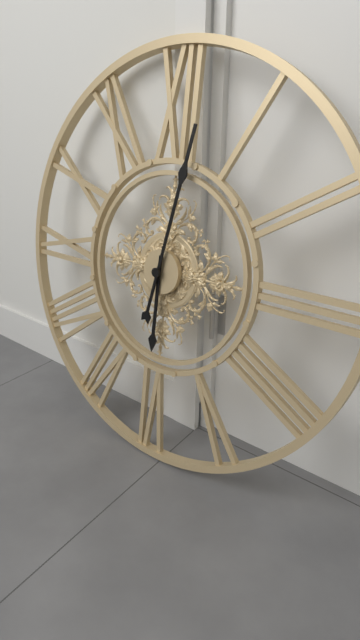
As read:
**6:02**
